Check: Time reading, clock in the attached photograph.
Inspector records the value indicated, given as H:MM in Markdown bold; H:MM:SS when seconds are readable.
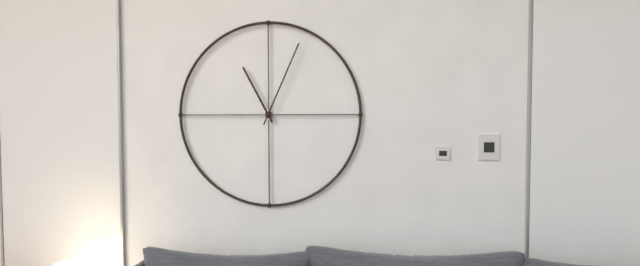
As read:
**11:04**
